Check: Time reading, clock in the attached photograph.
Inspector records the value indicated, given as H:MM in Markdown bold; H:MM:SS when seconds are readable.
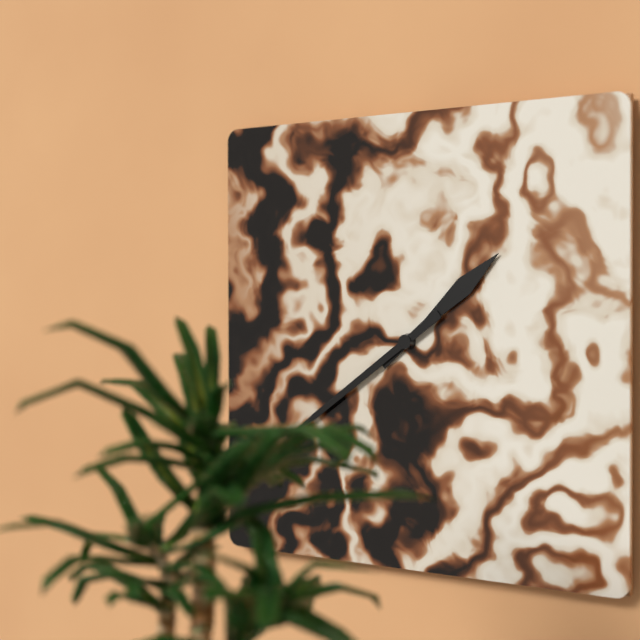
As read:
**1:39**
